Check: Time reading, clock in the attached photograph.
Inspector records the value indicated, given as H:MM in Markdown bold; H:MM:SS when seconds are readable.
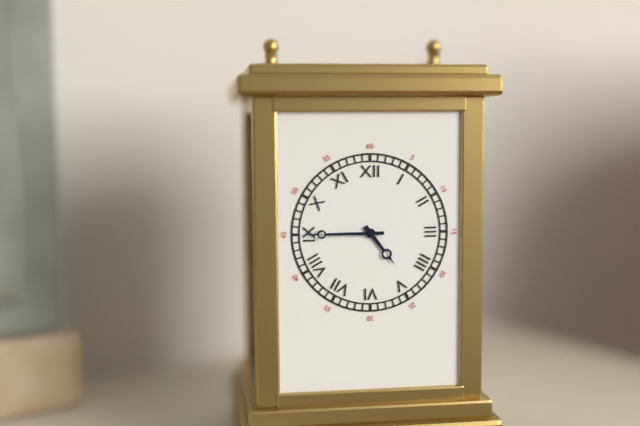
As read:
**4:45**
